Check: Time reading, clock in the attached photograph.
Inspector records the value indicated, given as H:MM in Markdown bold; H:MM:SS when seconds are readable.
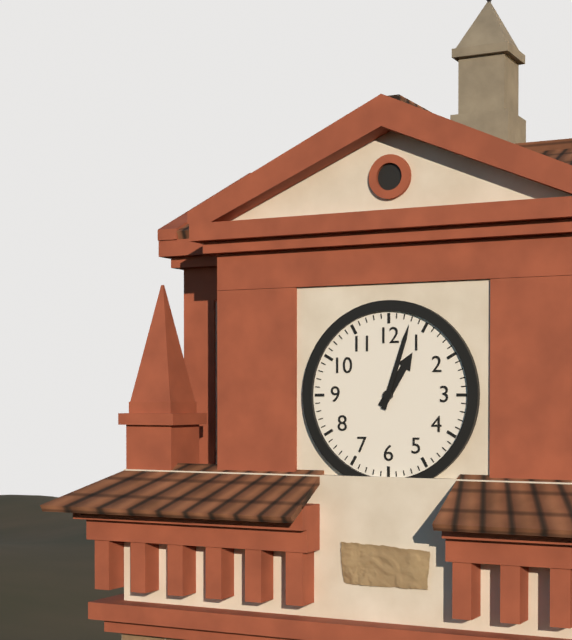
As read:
**1:03**
